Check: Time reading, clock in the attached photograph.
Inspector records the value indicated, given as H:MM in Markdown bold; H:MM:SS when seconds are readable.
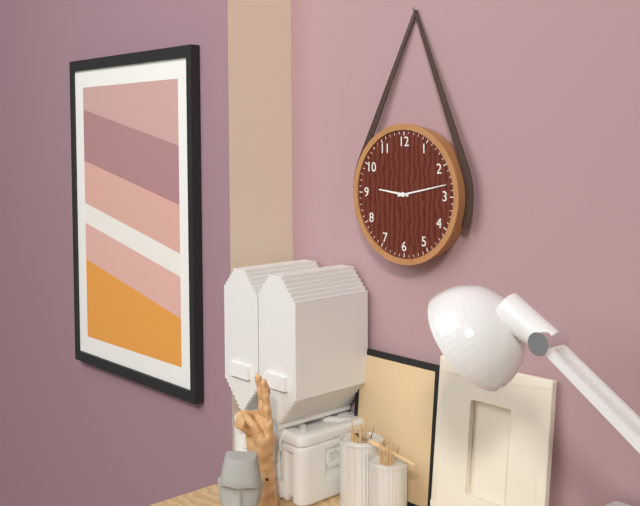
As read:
**9:13**
